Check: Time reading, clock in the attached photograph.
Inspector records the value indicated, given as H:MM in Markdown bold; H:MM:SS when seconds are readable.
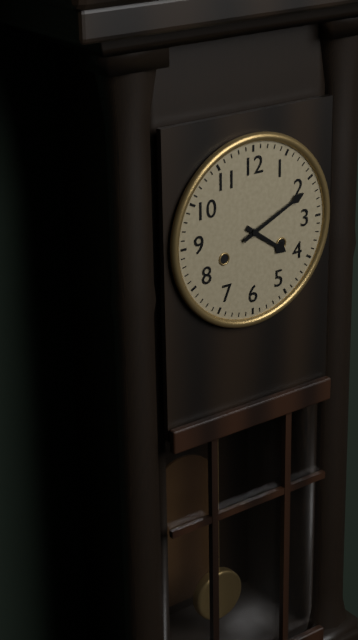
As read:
**4:11**
